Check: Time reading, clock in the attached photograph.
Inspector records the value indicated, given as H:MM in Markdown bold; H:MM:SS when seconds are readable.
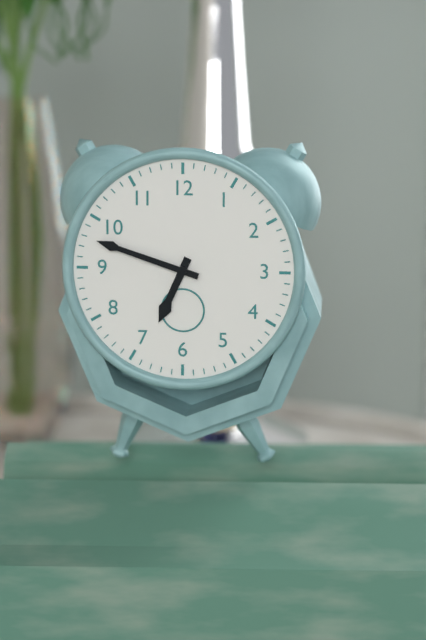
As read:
**6:48**
